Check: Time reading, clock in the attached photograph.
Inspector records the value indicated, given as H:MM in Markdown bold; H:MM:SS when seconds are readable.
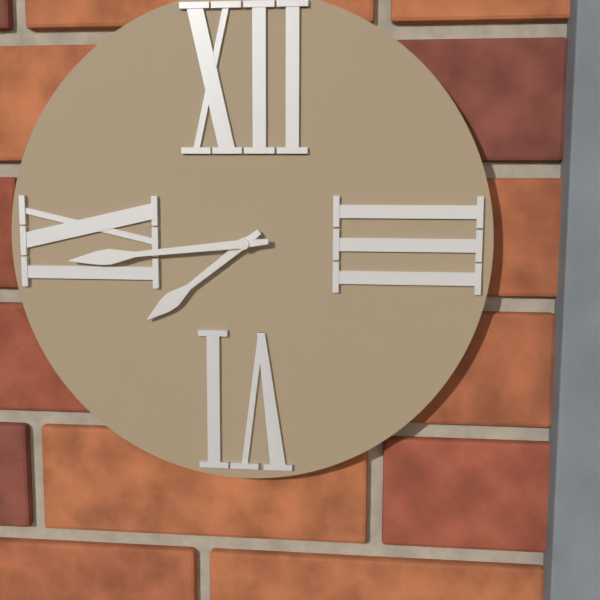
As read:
**7:44**
